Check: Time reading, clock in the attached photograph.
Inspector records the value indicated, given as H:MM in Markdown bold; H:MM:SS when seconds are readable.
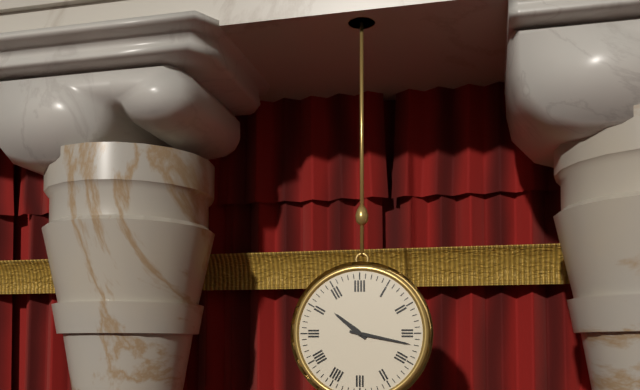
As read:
**10:17**
